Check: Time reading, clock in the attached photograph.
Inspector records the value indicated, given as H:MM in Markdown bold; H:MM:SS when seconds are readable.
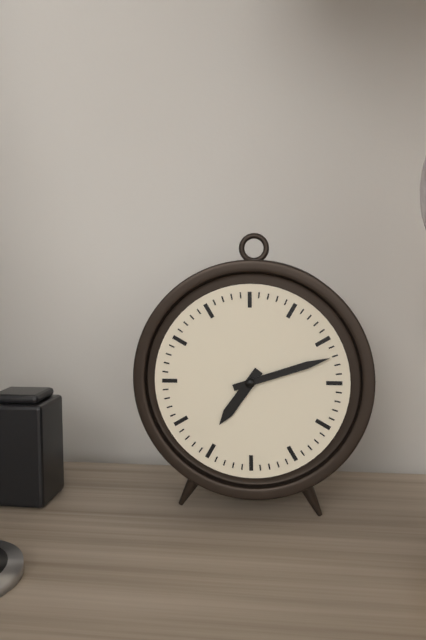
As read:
**7:12**
